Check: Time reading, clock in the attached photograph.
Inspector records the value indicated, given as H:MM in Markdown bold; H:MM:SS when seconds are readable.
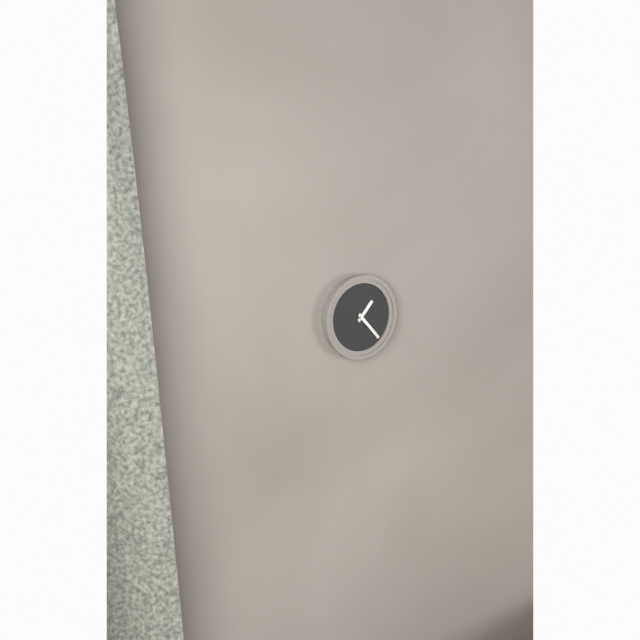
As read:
**1:23**
